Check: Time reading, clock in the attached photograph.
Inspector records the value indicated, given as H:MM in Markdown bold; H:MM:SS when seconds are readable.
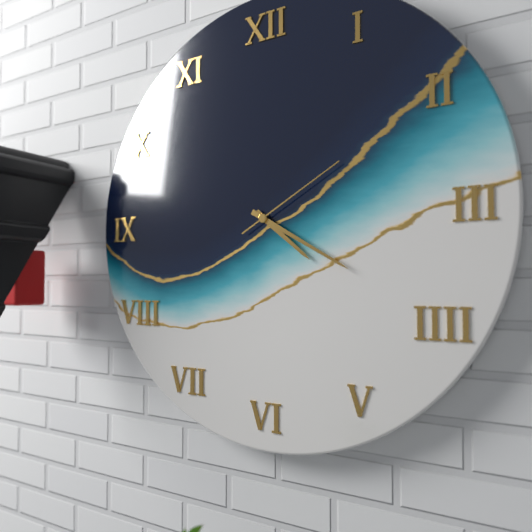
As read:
**4:20:10**
